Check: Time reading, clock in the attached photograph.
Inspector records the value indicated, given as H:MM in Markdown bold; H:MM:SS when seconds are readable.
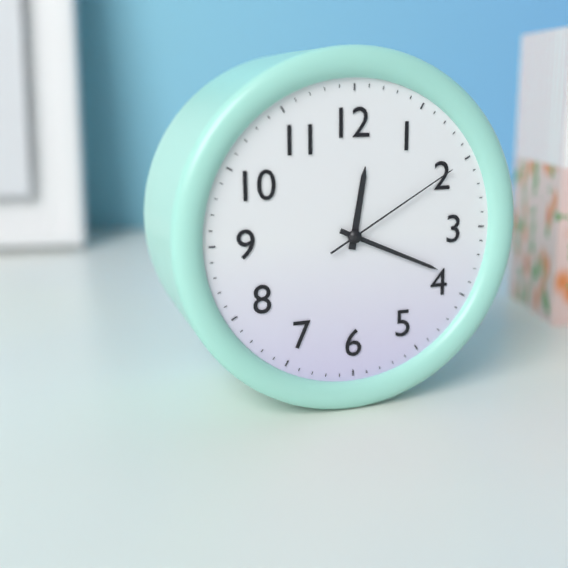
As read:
**12:19:10**
